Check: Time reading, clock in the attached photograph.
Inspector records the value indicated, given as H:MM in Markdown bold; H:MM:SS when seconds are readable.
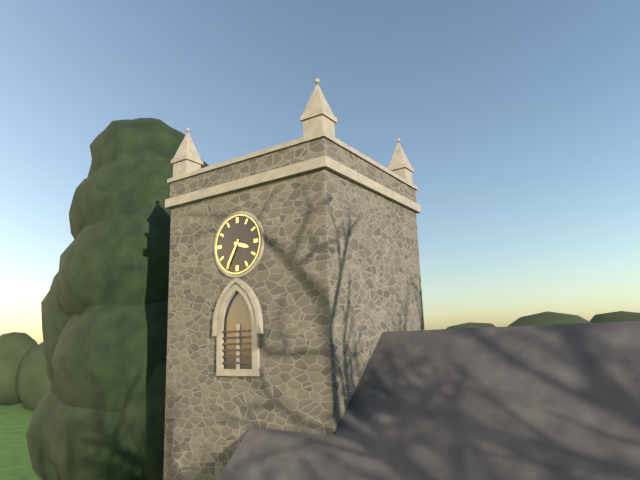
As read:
**3:35**
